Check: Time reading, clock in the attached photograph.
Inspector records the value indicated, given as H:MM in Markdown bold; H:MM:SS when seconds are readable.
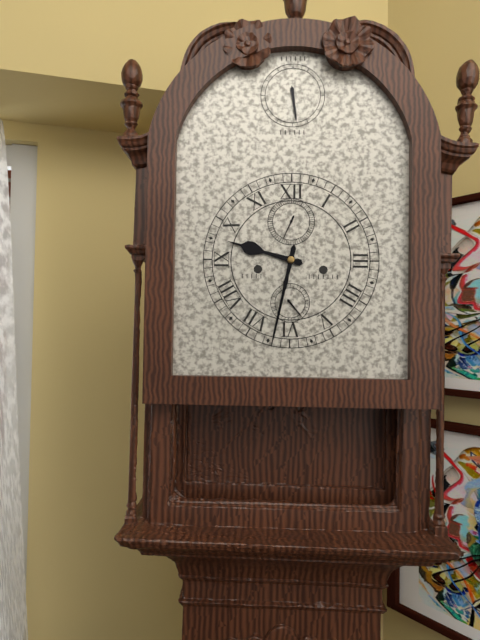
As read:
**9:32**
